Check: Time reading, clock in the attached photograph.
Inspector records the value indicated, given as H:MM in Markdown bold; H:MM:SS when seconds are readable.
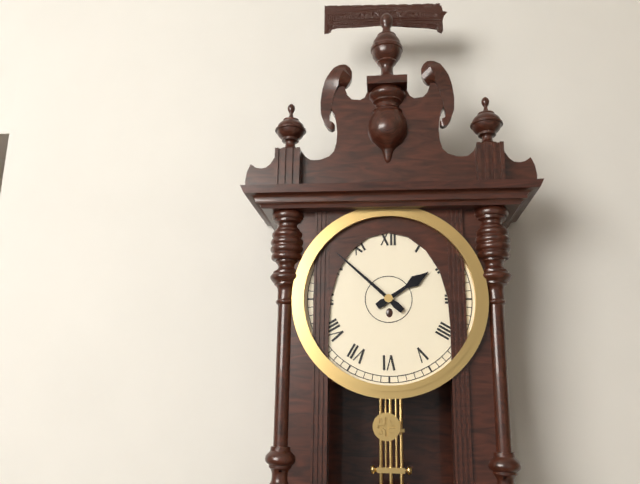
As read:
**1:52**
